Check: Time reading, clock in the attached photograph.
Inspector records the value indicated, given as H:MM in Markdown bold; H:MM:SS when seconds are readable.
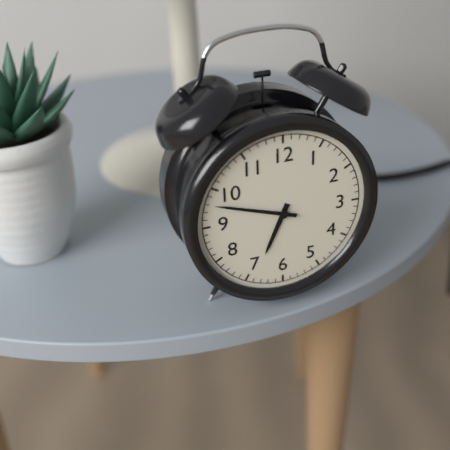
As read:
**6:48**
